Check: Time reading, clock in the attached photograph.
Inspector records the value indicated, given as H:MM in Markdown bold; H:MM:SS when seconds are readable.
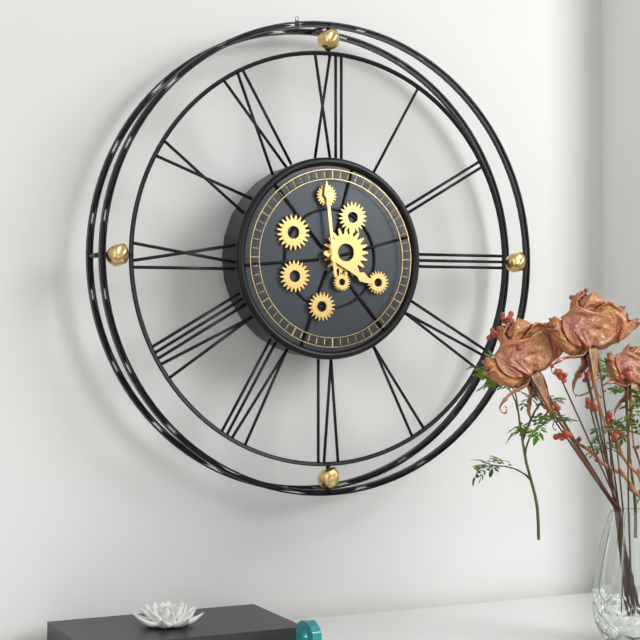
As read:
**3:59**
